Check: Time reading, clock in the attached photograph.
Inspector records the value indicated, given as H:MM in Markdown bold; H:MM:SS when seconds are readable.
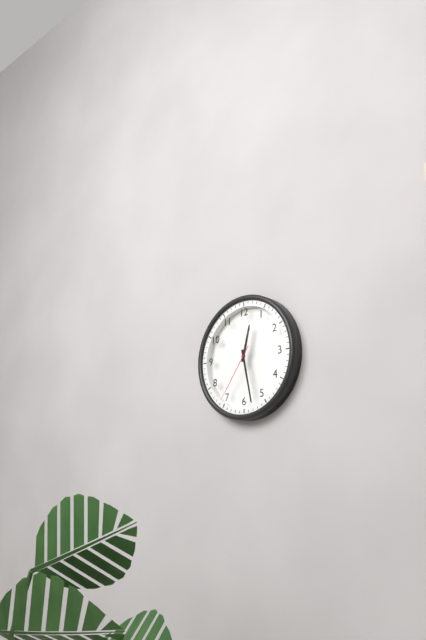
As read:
**12:28:36**
